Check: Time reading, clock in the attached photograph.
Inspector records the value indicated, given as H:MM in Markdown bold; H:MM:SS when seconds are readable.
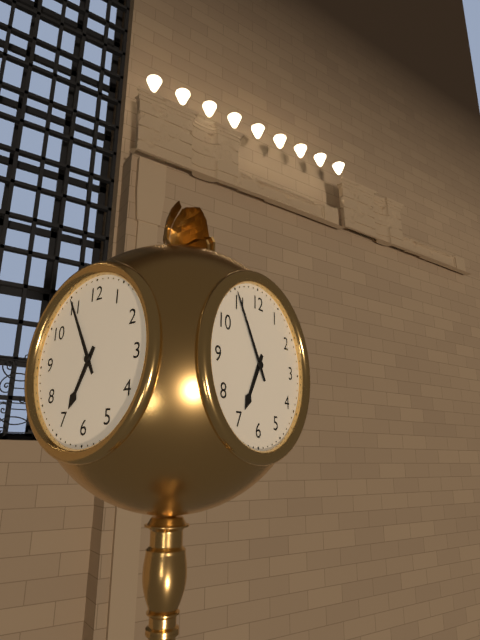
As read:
**6:55**
